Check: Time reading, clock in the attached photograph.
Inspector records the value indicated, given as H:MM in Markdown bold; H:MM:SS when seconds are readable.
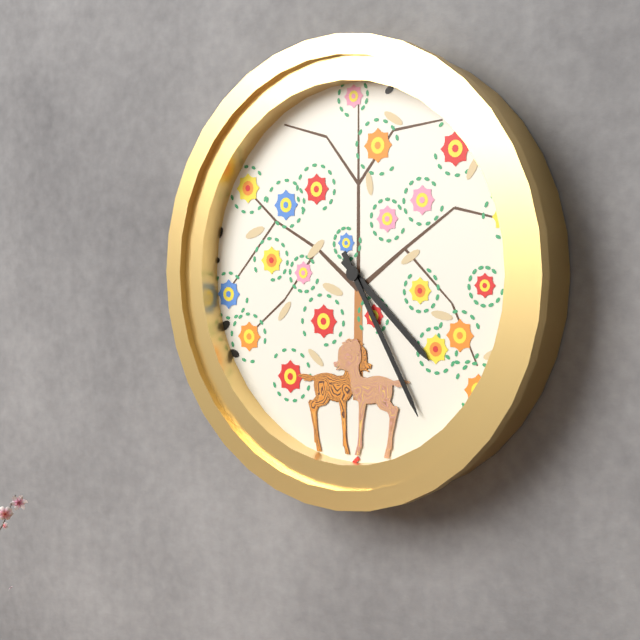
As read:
**4:25**
